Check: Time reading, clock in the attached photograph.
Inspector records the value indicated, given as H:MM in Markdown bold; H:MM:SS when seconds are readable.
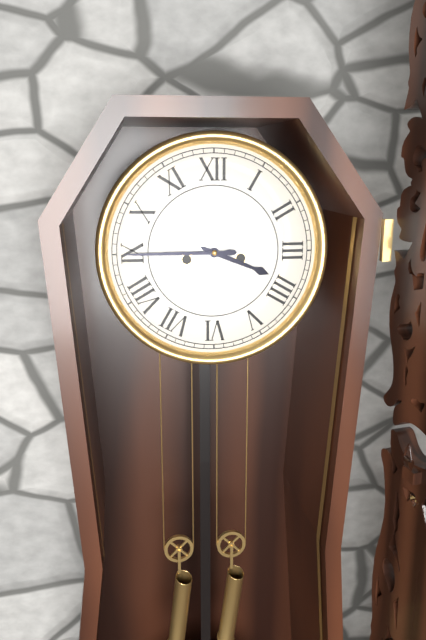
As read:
**3:45**
